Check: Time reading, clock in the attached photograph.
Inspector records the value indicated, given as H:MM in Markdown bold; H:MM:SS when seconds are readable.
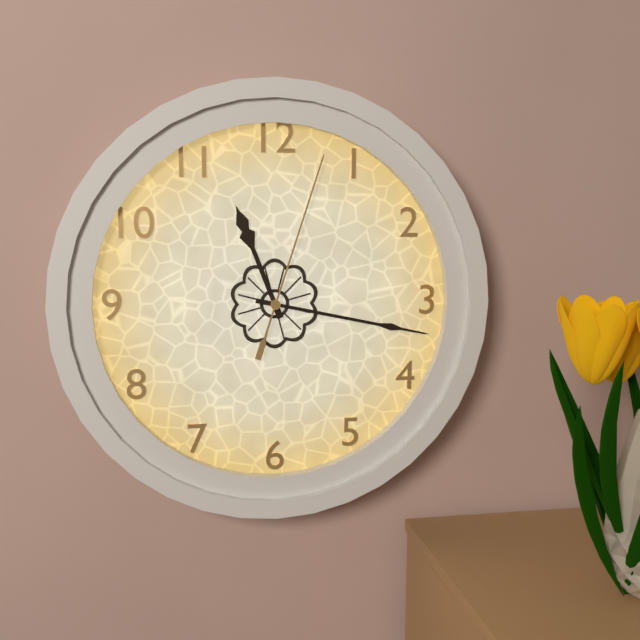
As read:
**11:17:03**
